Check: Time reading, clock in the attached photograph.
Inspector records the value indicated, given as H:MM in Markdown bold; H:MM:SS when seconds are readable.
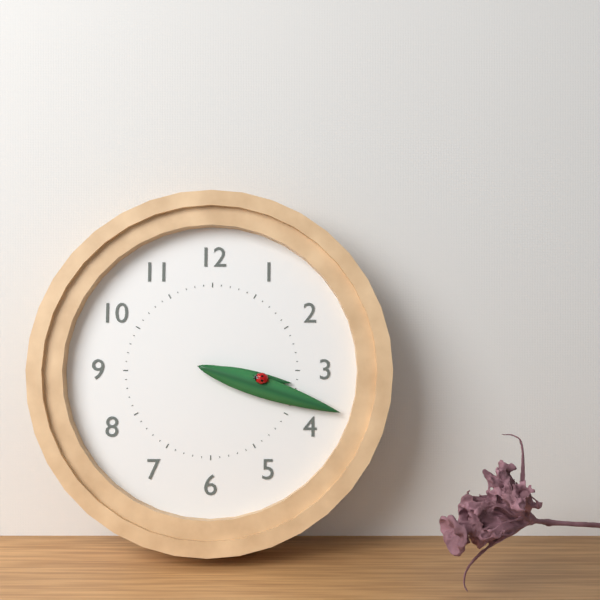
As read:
**3:18**
